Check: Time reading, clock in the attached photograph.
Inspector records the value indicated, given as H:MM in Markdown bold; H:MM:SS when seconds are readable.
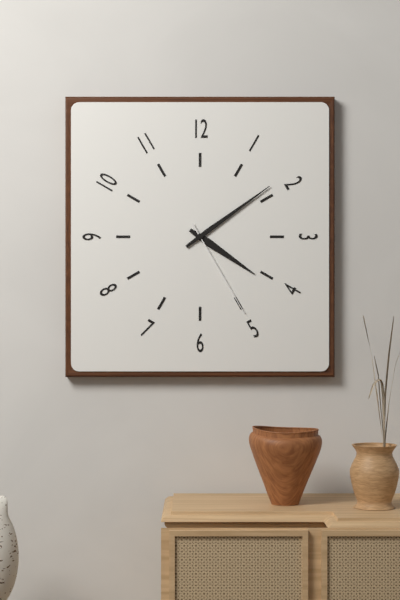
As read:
**4:09:25**
